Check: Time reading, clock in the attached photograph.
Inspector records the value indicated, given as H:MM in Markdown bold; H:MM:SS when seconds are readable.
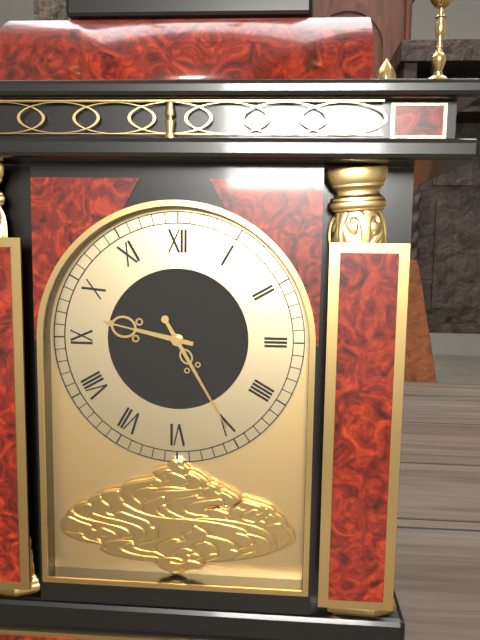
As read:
**9:25**
